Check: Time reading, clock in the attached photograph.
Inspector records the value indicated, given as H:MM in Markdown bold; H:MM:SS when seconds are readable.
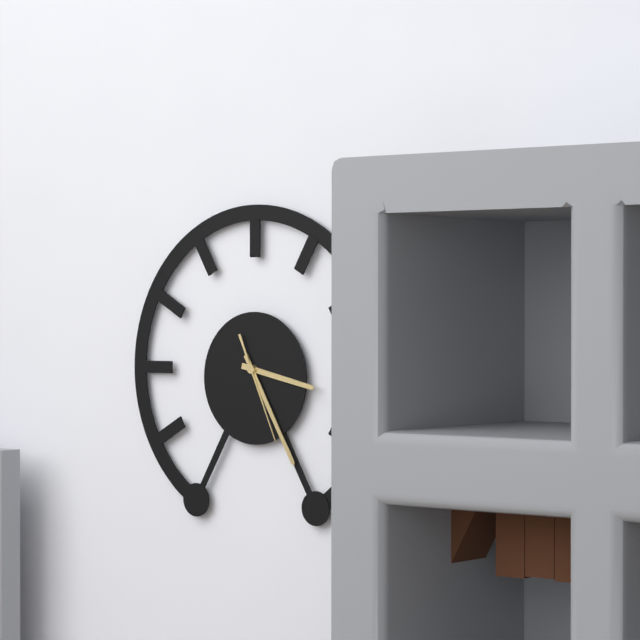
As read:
**3:25:26**
